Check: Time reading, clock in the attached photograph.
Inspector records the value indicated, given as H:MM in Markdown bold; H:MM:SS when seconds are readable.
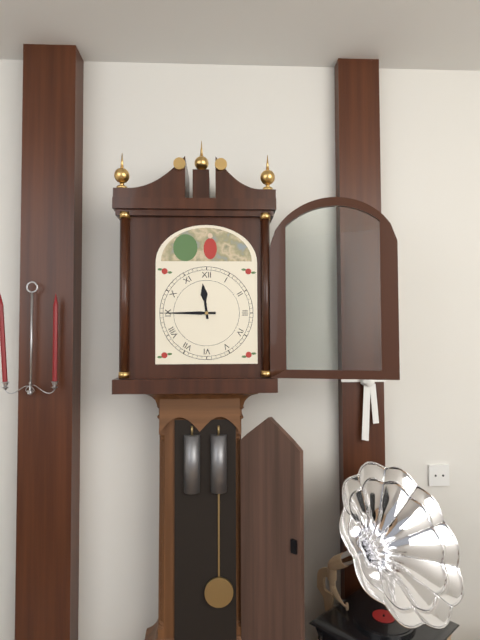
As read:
**11:45**
